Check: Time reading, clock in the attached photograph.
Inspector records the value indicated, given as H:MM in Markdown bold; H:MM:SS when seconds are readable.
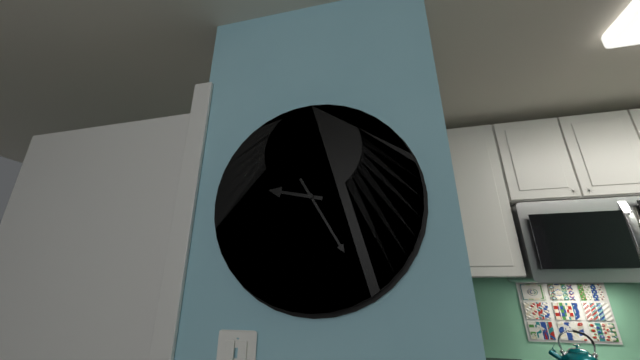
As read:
**9:25**
